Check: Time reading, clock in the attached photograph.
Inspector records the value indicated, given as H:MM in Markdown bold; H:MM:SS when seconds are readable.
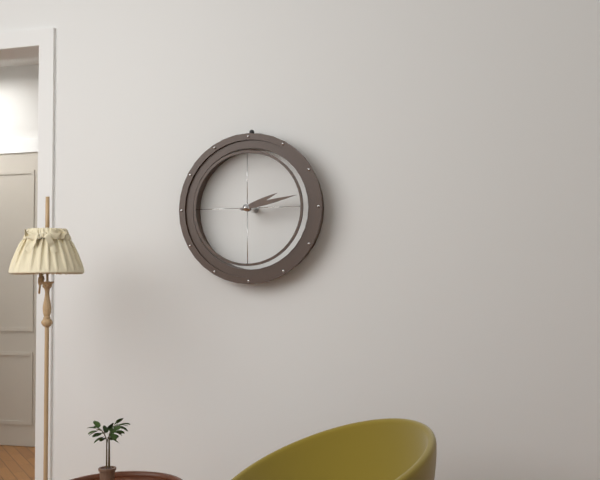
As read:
**2:13**
